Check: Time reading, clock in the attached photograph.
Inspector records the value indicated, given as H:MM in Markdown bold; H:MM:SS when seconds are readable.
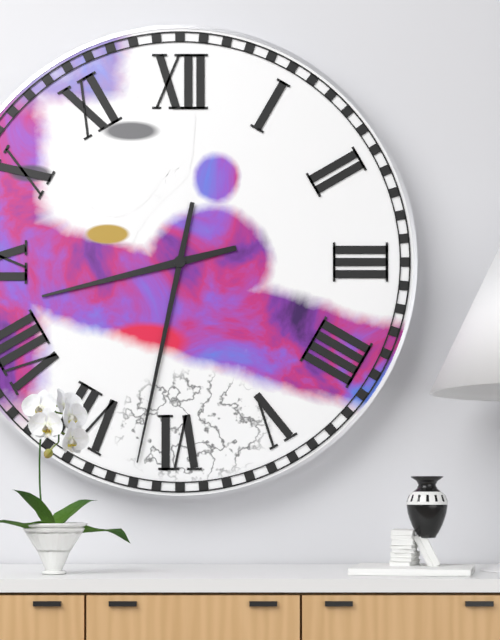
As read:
**8:32**
